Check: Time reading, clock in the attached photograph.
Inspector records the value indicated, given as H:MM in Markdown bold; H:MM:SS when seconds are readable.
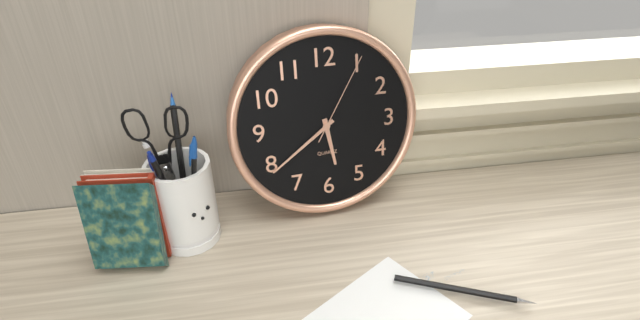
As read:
**5:39:05**
